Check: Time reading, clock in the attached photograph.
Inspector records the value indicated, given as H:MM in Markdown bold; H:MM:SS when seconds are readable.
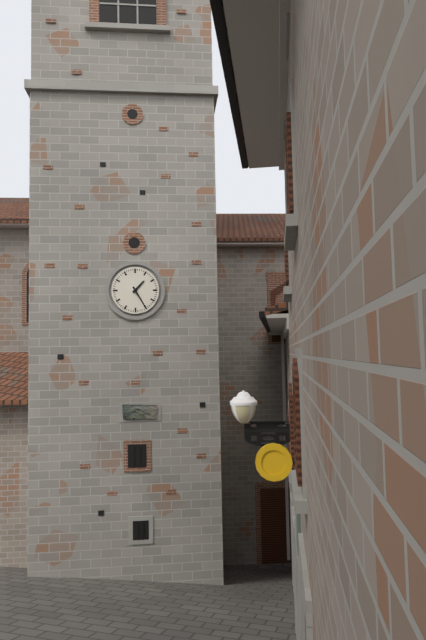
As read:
**1:25**
